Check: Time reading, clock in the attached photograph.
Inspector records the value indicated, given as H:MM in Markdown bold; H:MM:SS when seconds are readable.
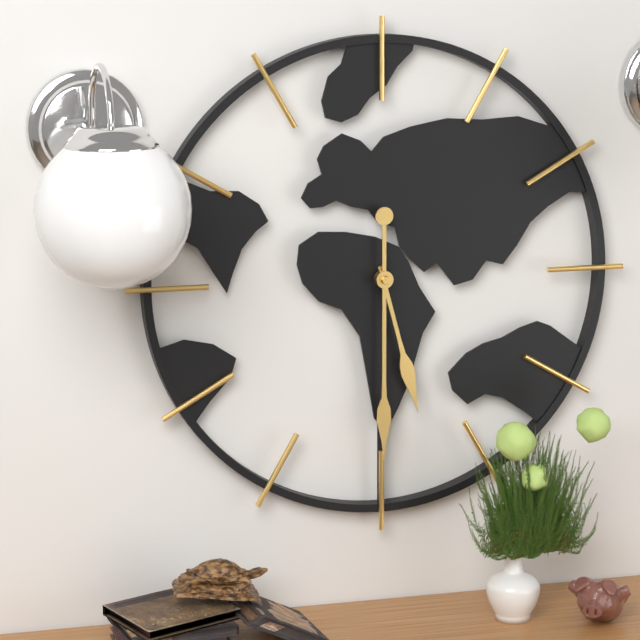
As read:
**5:30**
